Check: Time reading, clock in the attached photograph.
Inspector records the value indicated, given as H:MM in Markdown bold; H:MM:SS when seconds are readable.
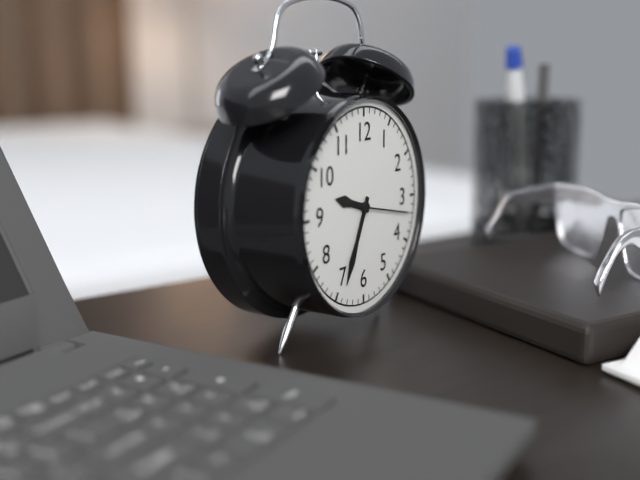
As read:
**9:34:17**
